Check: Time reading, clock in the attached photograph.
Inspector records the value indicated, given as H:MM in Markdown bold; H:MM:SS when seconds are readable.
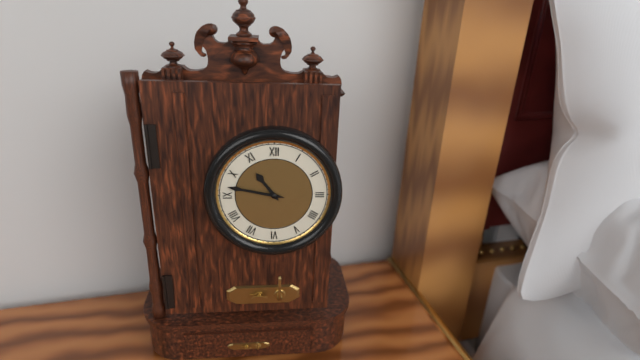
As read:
**10:47**
